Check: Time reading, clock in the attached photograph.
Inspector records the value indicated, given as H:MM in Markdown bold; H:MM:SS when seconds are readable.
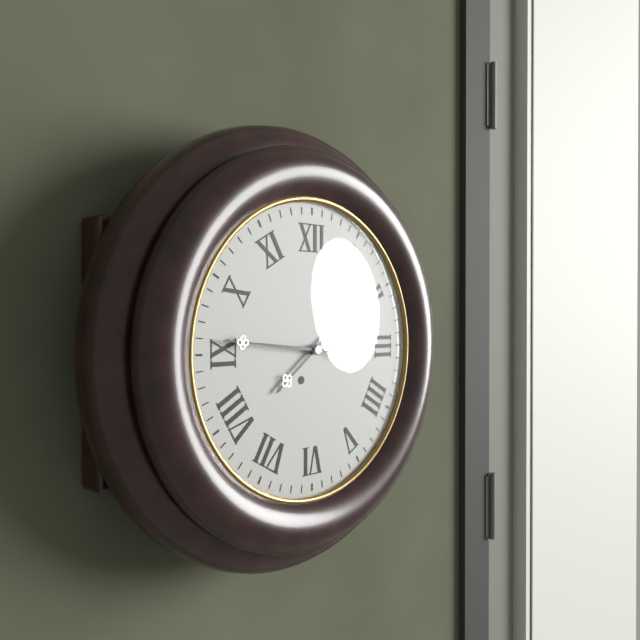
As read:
**7:46**
